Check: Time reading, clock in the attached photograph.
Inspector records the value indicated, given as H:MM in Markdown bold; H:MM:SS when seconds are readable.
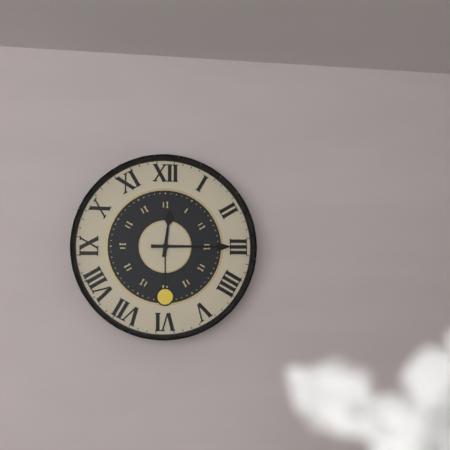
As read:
**12:15**
